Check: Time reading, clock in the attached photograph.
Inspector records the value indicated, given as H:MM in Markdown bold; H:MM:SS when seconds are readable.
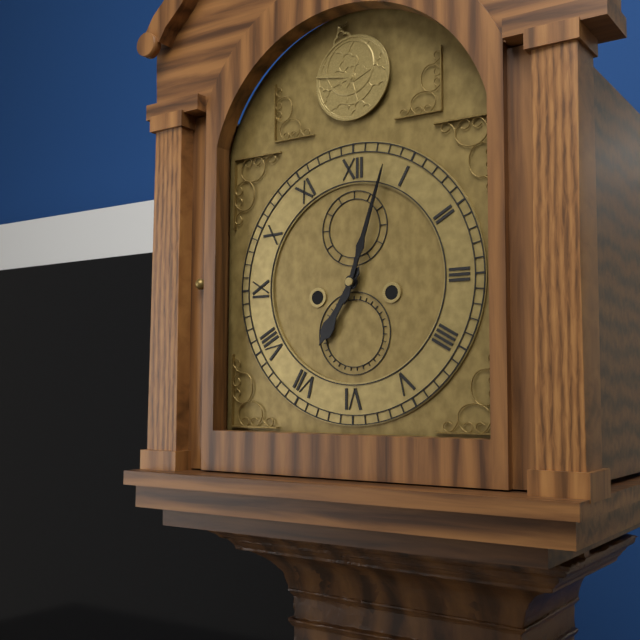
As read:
**7:03**
